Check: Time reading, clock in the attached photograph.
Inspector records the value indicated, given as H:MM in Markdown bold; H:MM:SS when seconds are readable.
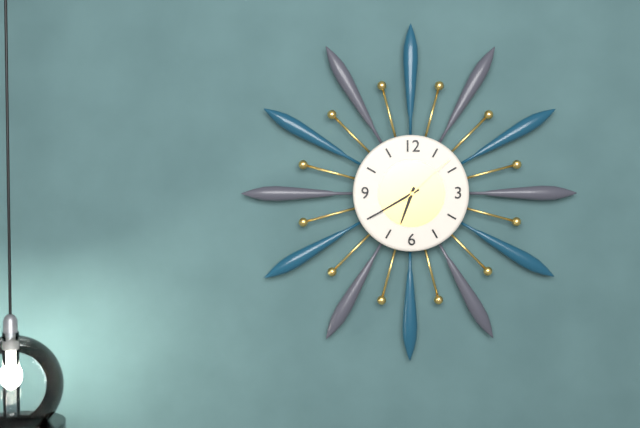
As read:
**6:40:08**
